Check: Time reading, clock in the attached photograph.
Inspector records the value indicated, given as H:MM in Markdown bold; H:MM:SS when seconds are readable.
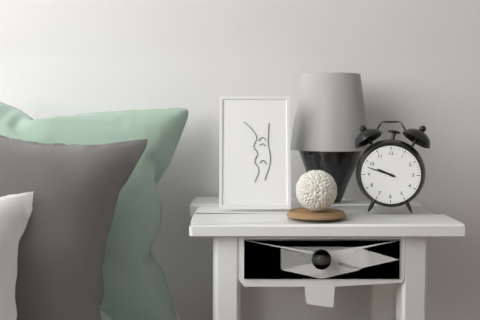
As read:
**9:48**
